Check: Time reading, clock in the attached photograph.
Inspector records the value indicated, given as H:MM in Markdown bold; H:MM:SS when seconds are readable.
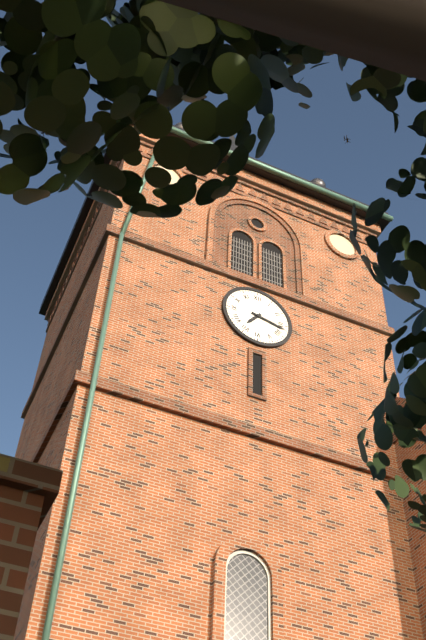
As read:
**7:17**
